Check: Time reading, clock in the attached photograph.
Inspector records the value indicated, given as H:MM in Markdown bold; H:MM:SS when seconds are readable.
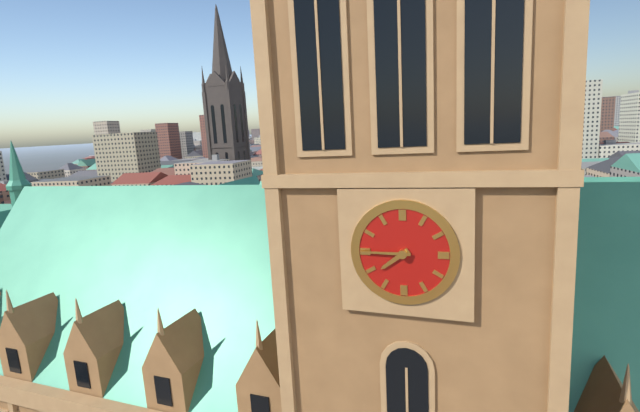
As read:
**7:45**
